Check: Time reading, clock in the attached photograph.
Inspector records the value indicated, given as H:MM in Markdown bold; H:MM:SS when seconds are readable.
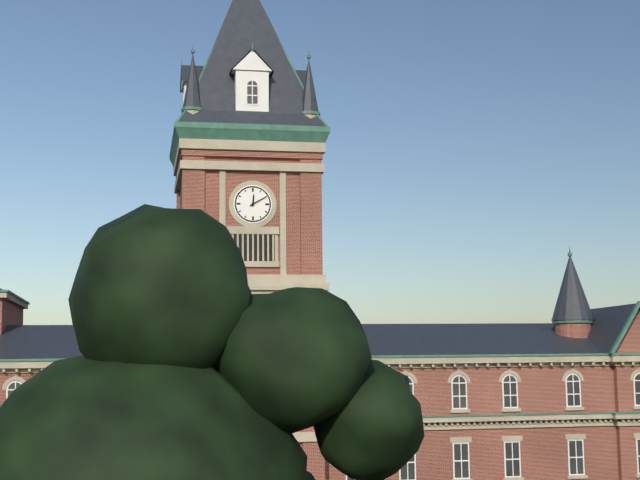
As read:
**12:10**
